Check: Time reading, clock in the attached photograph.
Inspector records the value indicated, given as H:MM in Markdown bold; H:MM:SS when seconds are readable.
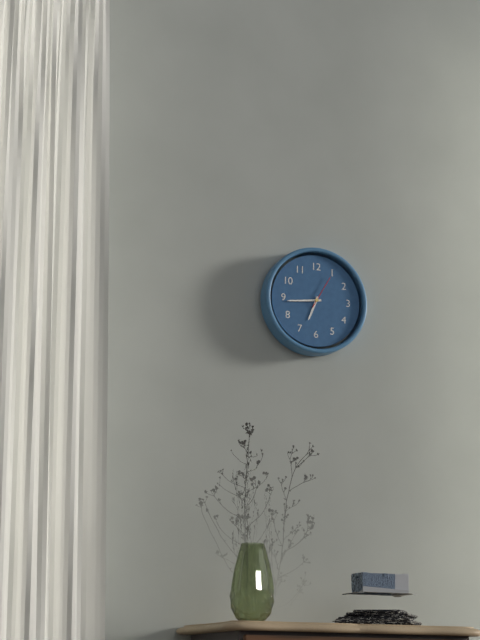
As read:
**6:44**
